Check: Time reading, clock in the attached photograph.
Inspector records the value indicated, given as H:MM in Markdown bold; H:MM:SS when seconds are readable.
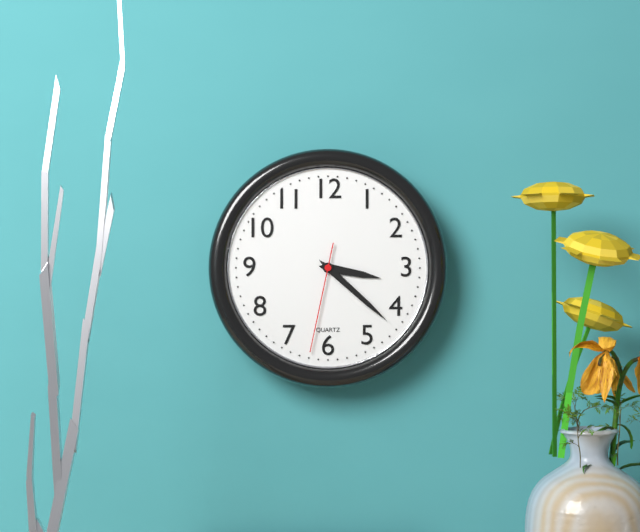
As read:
**3:22:32**
